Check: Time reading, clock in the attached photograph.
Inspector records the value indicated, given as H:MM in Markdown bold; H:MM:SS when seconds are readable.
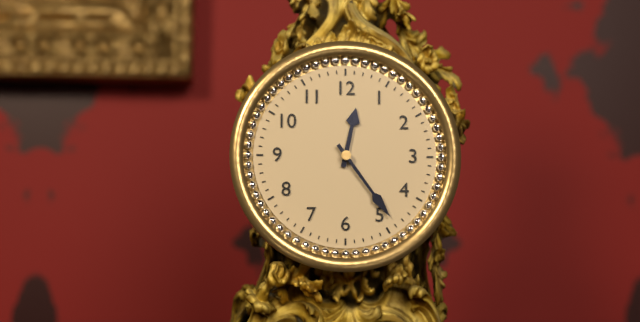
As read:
**12:24**
